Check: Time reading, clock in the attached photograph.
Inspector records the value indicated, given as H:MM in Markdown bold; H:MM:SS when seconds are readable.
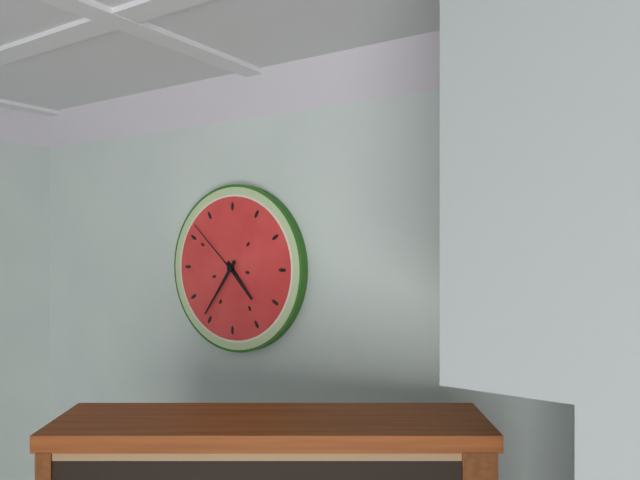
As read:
**4:36:52**
